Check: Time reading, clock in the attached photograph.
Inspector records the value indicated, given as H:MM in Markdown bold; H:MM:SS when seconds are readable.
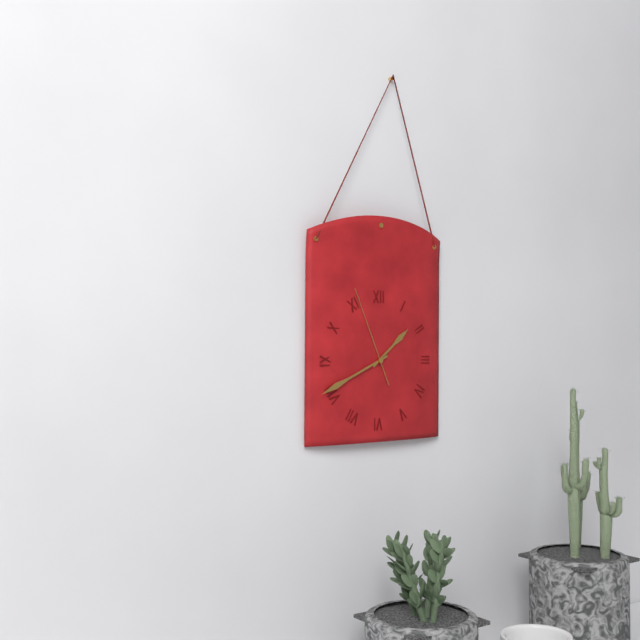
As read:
**1:41:56**
